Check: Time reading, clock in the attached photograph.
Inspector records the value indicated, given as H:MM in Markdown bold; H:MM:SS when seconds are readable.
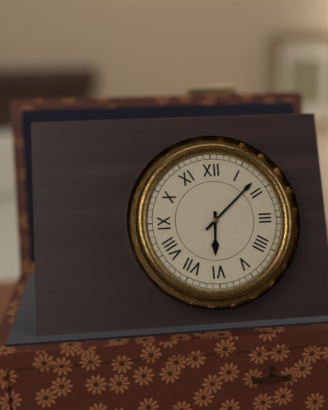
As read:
**6:08**
